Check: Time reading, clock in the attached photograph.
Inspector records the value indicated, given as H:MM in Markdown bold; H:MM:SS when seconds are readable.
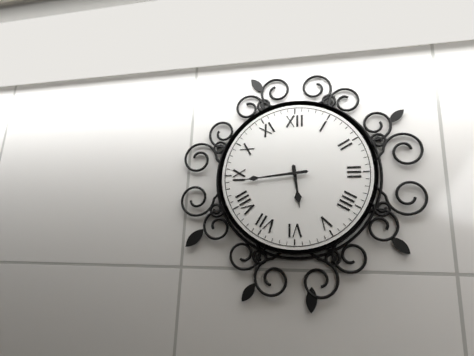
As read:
**5:44**
